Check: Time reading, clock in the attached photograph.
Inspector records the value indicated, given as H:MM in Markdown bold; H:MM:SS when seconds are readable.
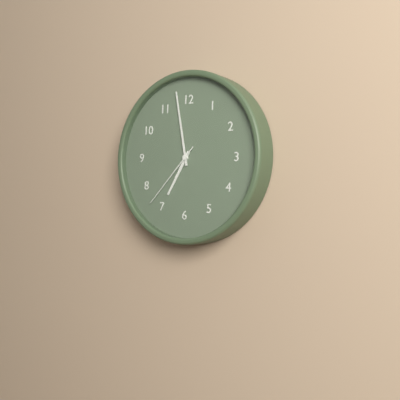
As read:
**6:58:37**
